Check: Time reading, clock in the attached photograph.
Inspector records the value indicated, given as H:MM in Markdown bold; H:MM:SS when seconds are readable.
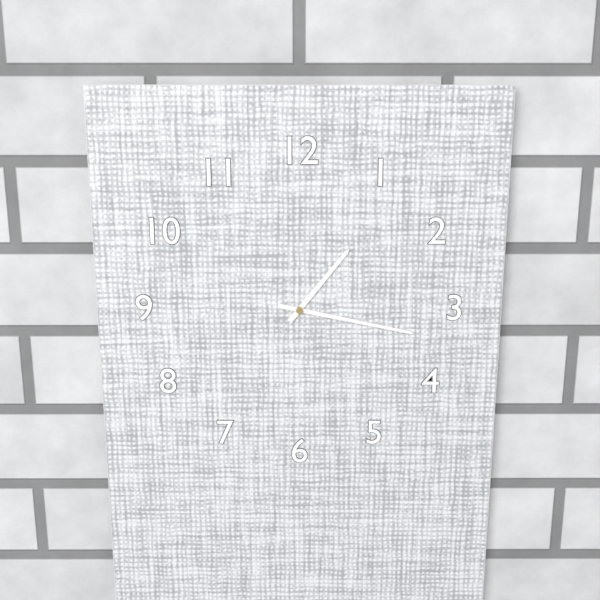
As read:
**1:17**
